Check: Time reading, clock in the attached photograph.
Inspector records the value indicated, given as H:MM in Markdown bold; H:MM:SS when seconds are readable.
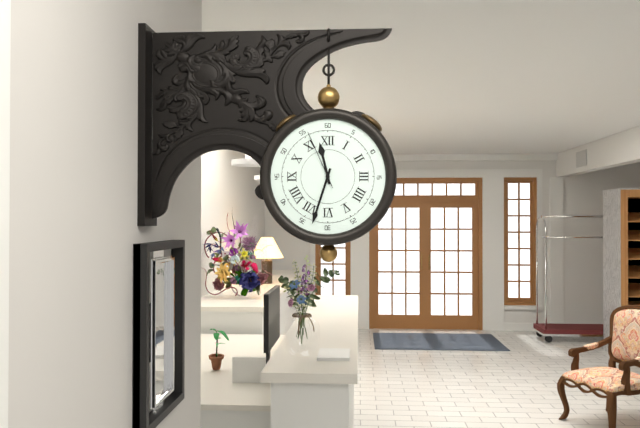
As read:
**11:33:56**
